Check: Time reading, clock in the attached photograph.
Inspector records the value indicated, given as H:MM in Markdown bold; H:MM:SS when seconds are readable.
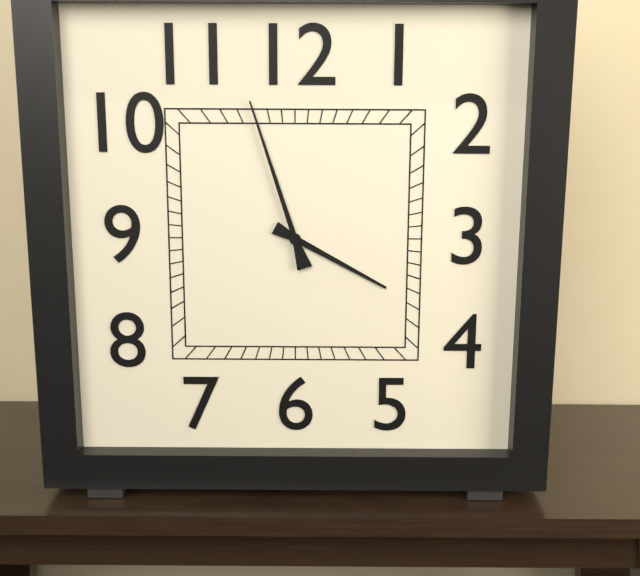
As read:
**3:57**
